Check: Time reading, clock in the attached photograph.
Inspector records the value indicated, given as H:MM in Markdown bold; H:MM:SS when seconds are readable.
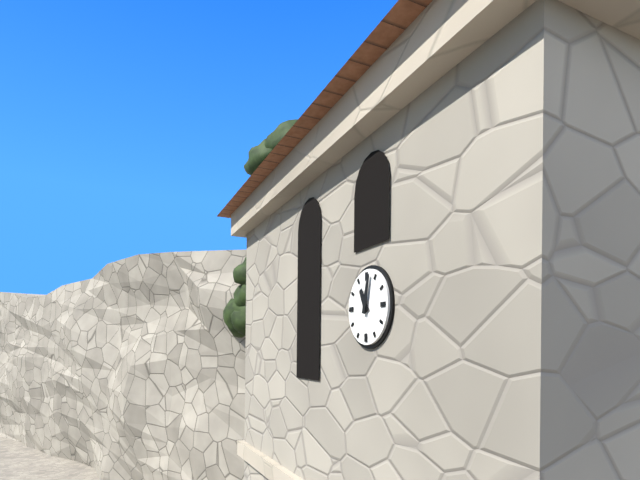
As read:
**11:02**
